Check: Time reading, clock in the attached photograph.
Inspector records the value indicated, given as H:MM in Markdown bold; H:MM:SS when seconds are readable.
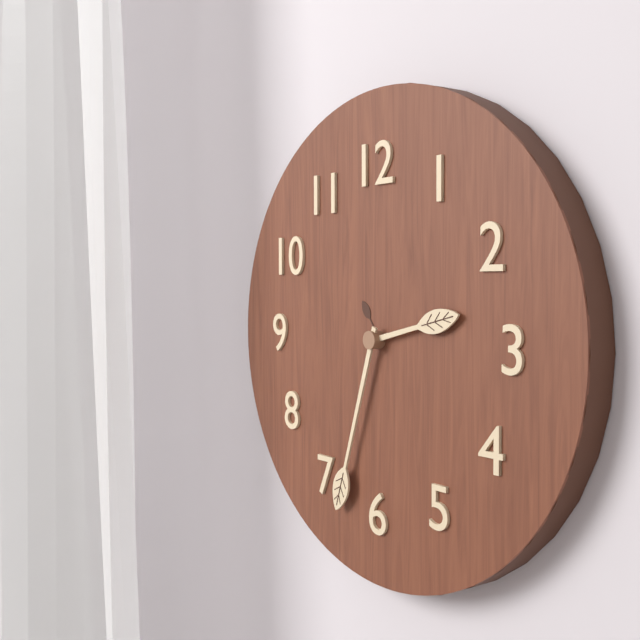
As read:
**2:33**
